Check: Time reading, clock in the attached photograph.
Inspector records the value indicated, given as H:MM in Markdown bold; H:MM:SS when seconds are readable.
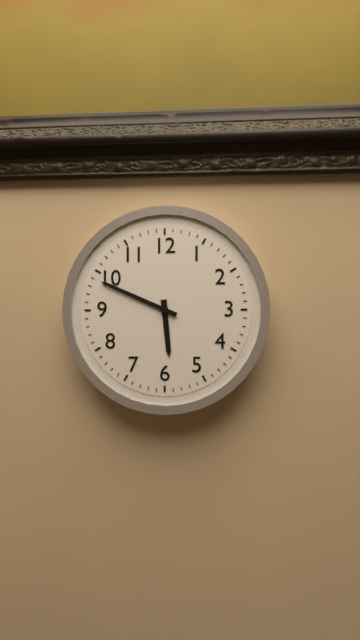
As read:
**5:49**
